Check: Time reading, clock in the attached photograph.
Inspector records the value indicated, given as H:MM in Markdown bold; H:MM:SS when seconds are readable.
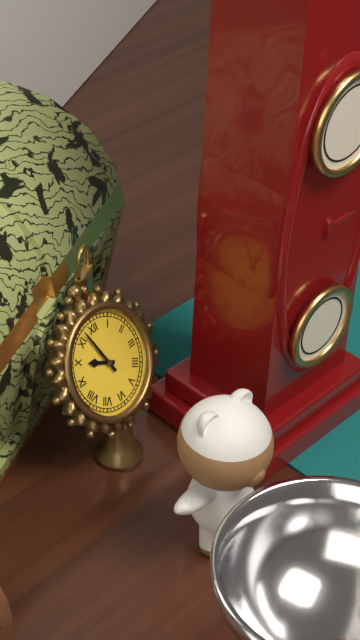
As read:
**9:57**
